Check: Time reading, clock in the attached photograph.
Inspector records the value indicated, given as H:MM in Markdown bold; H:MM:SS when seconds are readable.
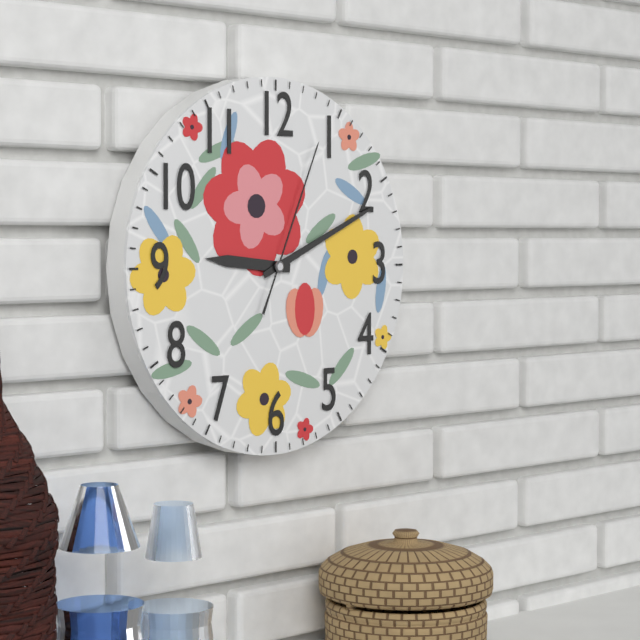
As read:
**9:11:04**
